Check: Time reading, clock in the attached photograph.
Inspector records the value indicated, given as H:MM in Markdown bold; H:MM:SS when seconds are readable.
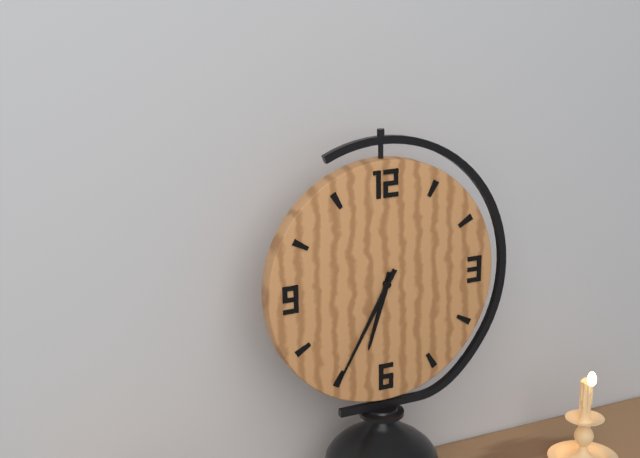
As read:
**6:35**
